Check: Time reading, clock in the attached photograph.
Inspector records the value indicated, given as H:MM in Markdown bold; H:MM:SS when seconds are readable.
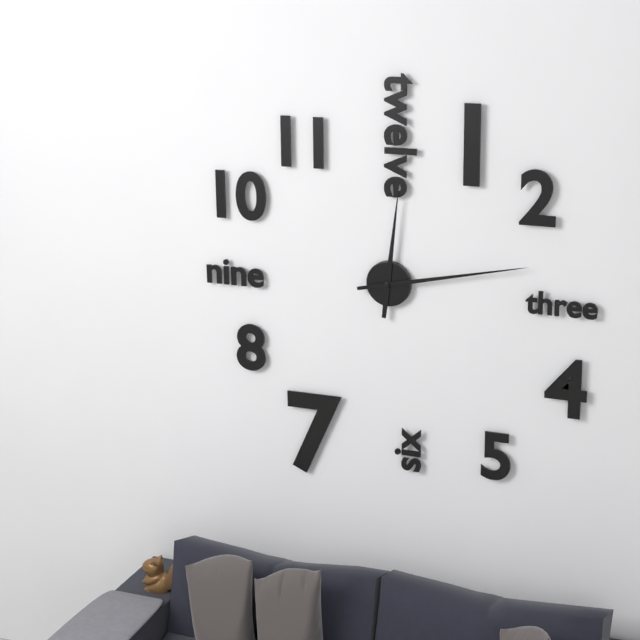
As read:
**12:13**
